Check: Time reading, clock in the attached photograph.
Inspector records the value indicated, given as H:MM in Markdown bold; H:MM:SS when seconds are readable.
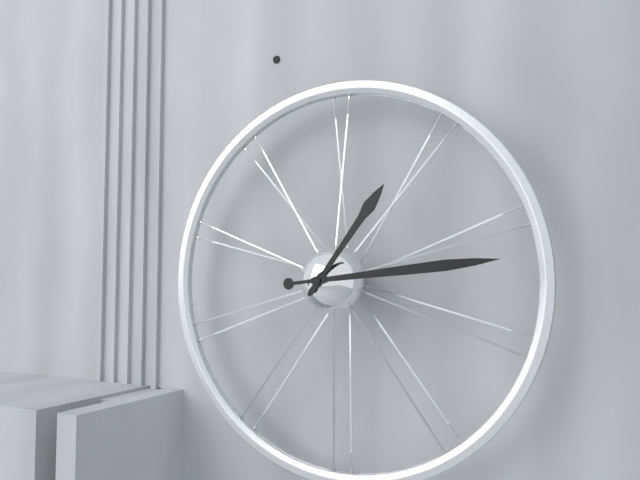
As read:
**1:14**
